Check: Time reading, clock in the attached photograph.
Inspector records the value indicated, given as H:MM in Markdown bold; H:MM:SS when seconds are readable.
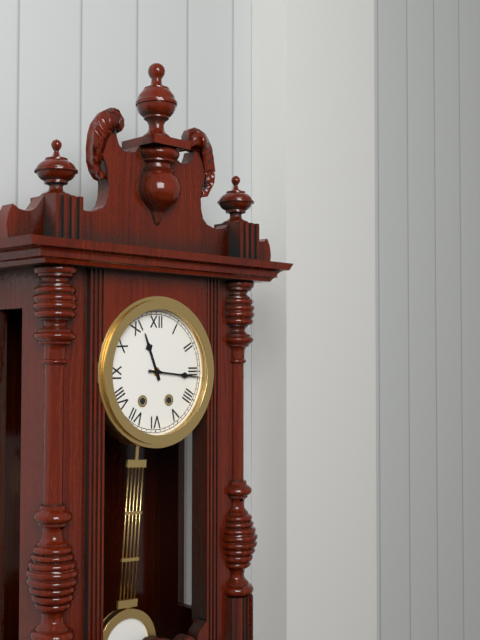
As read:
**11:16**
